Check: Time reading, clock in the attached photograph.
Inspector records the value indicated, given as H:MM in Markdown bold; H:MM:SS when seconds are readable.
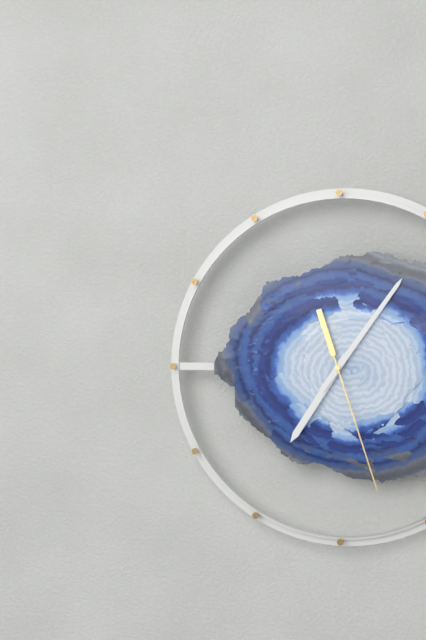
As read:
**7:06:27**
